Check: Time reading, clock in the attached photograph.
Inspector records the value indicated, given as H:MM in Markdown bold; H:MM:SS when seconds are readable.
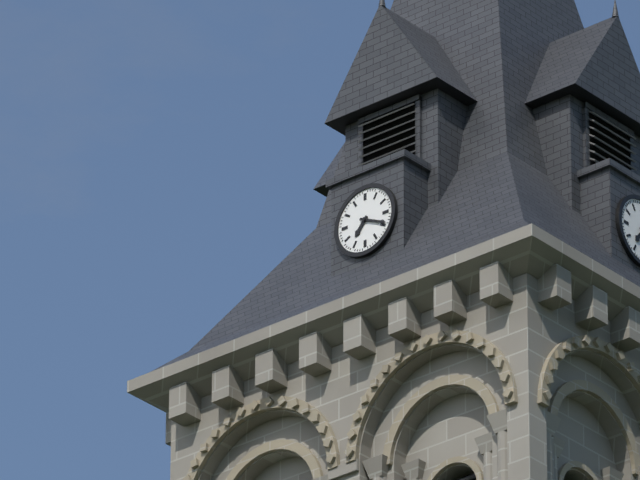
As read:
**7:19**
